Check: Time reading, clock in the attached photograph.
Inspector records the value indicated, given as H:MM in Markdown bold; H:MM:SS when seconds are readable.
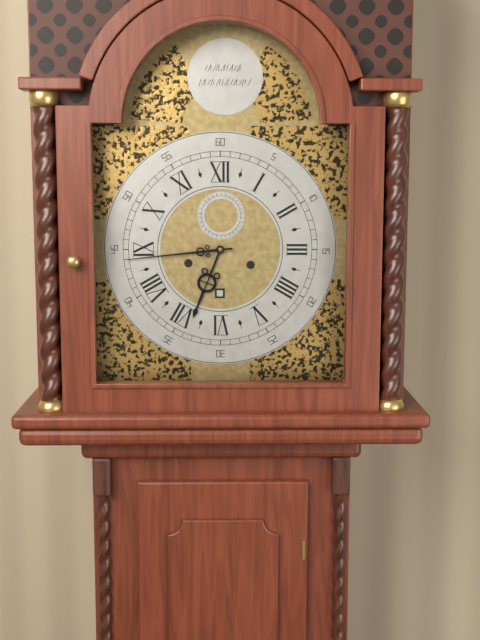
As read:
**6:44**
